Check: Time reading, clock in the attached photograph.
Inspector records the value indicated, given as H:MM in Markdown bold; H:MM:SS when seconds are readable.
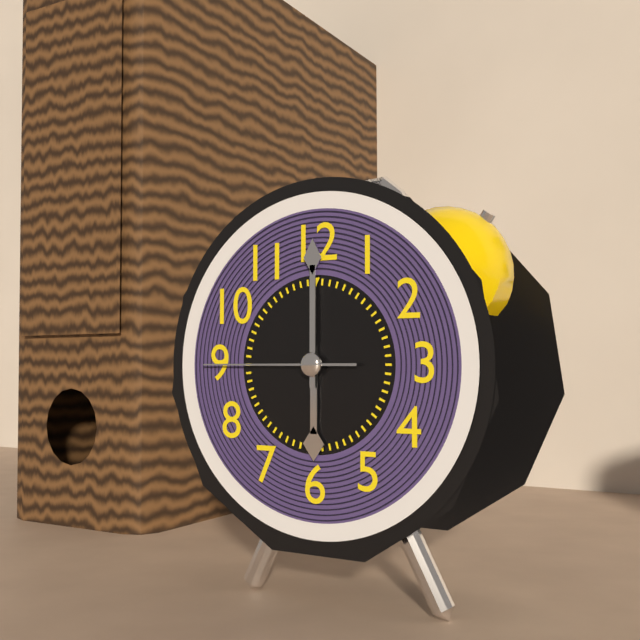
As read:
**6:00:45**
